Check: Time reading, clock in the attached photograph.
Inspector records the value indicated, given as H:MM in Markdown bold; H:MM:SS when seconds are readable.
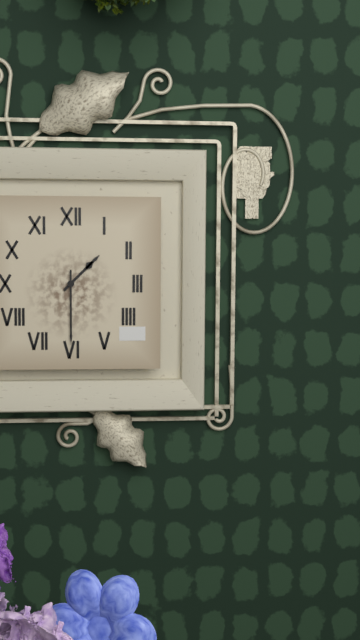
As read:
**1:30**
